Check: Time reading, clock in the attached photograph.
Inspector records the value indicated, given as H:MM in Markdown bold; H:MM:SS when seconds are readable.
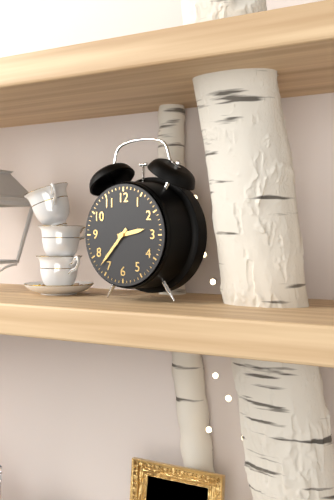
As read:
**2:37**
